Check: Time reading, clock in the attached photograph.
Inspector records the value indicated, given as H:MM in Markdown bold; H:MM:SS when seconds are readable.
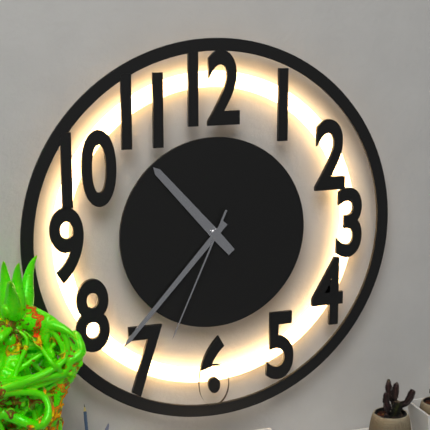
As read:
**10:37:34**
